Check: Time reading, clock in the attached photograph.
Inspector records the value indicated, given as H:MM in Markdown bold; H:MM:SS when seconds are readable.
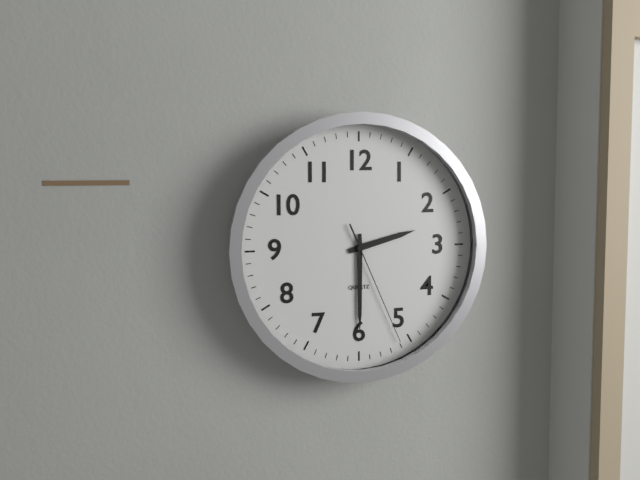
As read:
**2:30:26**
